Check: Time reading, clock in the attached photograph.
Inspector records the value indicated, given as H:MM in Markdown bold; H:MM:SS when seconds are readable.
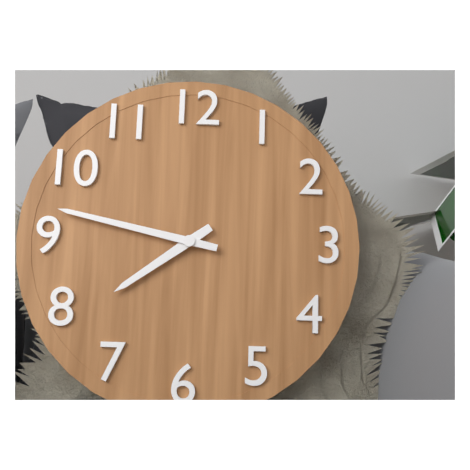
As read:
**7:47**
